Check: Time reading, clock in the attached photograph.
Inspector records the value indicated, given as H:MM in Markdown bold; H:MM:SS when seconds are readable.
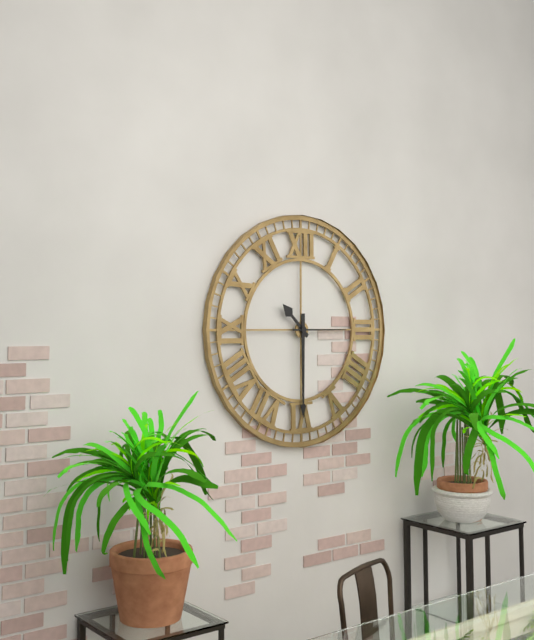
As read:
**10:30:15**
